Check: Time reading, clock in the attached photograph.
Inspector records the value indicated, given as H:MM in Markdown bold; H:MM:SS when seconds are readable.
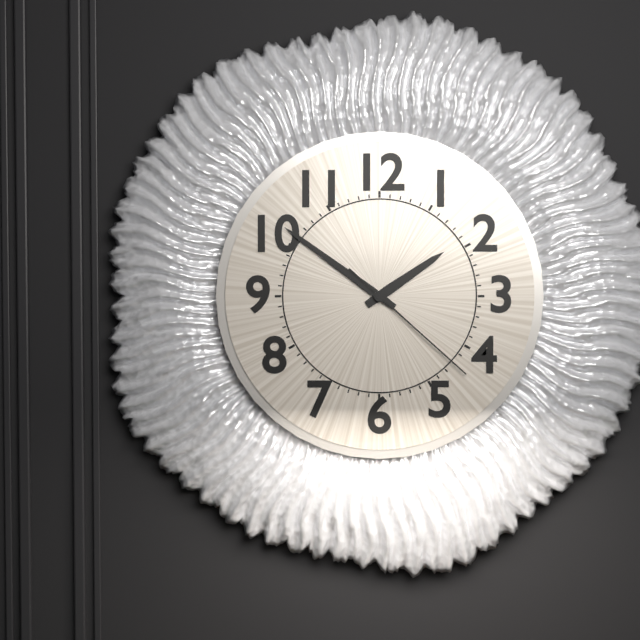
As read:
**1:51:22**
